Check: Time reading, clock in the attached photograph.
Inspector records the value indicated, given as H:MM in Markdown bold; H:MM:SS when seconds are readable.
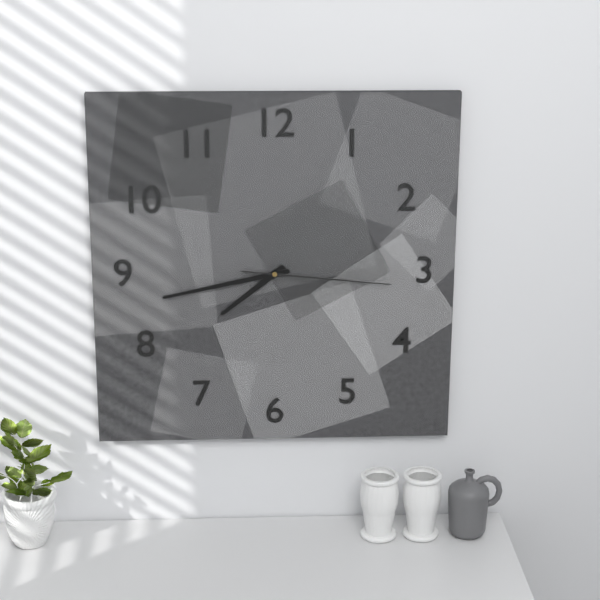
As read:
**7:43:16**
